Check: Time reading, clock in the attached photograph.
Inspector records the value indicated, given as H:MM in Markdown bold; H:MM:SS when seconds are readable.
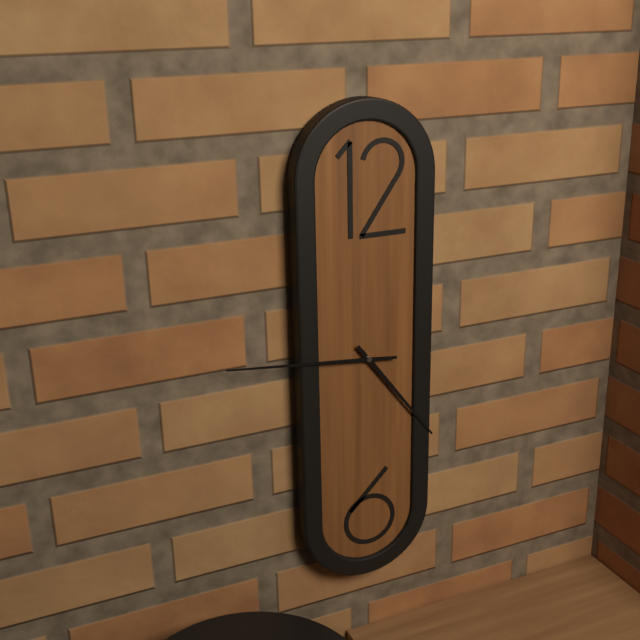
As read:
**4:46**
